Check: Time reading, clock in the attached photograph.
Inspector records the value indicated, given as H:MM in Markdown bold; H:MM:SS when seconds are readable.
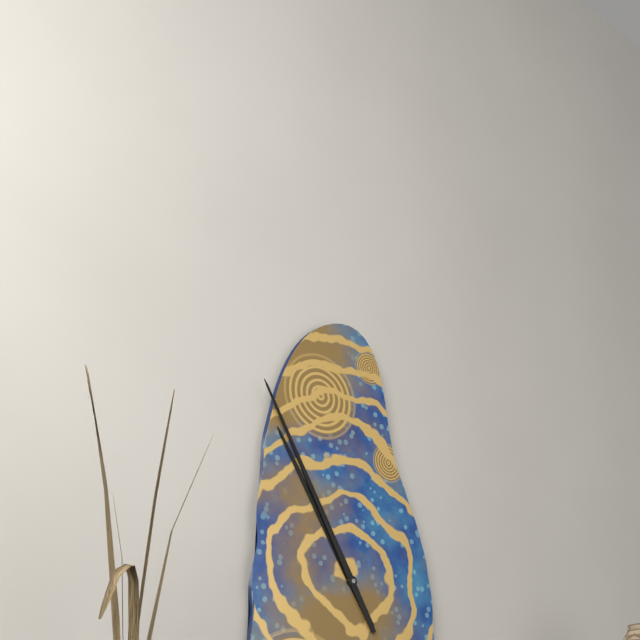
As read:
**10:55**
